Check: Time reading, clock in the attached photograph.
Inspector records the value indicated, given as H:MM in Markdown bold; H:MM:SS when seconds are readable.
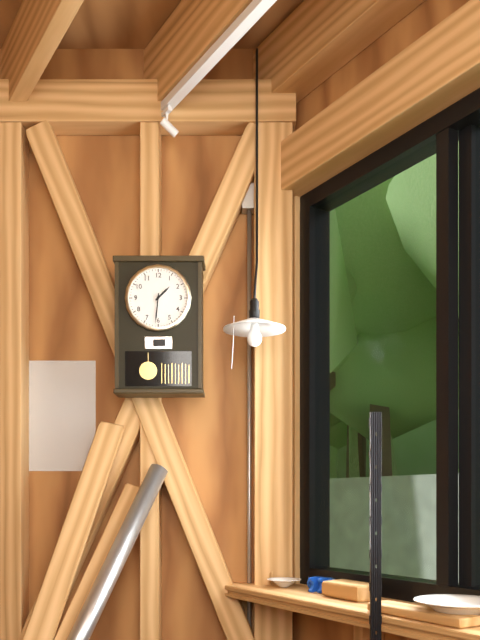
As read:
**1:31**
